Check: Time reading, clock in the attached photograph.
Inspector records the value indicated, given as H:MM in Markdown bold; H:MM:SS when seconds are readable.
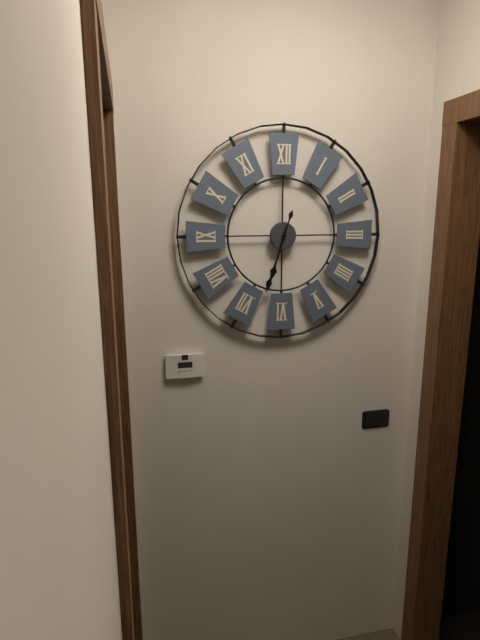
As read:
**6:33**
